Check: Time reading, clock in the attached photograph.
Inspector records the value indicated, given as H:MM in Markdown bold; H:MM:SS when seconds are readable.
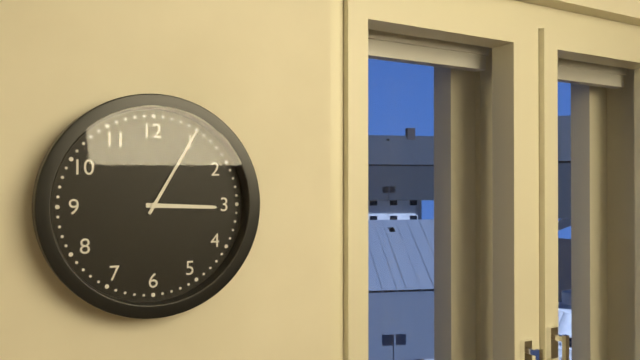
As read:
**3:05**
